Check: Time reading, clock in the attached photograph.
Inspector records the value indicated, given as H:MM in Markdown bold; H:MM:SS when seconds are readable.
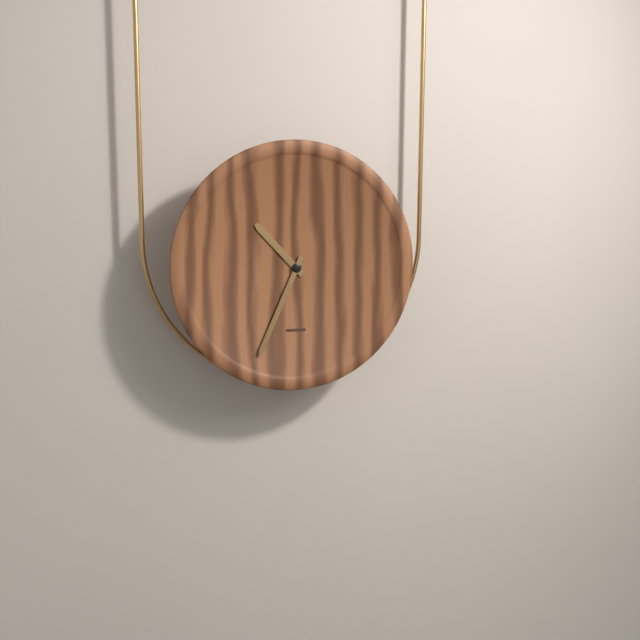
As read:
**10:34**
